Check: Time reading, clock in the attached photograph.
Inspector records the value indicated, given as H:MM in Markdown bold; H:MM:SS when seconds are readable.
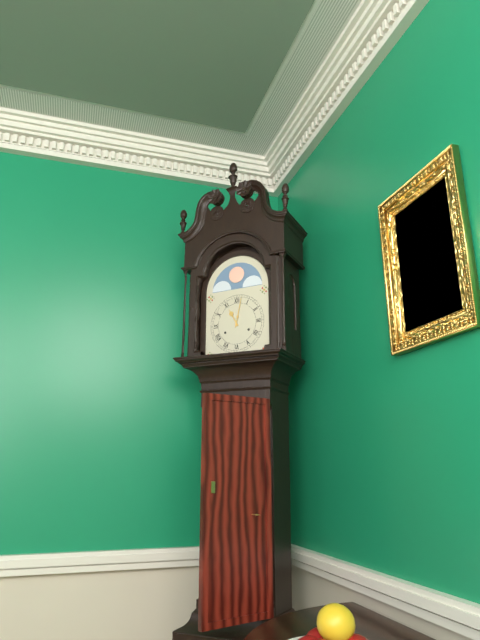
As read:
**11:02**
